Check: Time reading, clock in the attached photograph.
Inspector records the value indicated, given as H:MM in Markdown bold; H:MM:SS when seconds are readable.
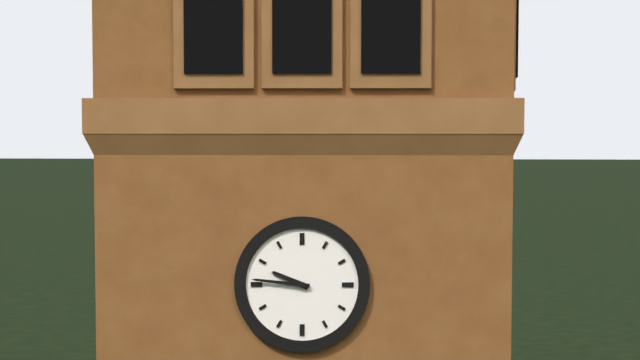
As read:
**9:46**
